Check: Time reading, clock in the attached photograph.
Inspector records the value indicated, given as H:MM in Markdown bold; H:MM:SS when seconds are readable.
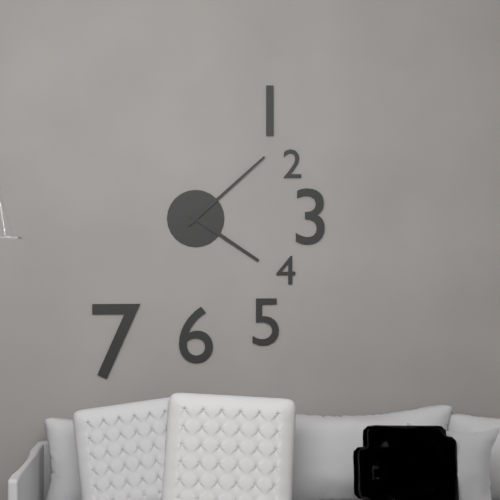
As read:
**4:08**
